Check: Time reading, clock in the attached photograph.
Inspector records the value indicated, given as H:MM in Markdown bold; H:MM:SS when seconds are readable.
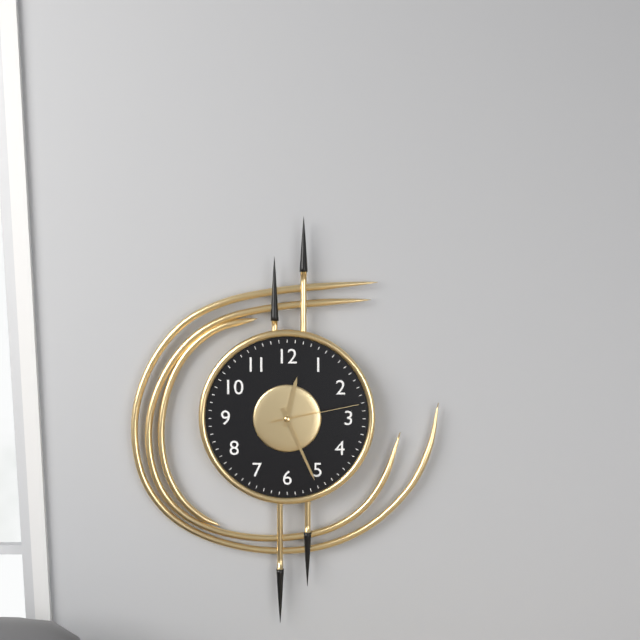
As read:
**12:26:13**
